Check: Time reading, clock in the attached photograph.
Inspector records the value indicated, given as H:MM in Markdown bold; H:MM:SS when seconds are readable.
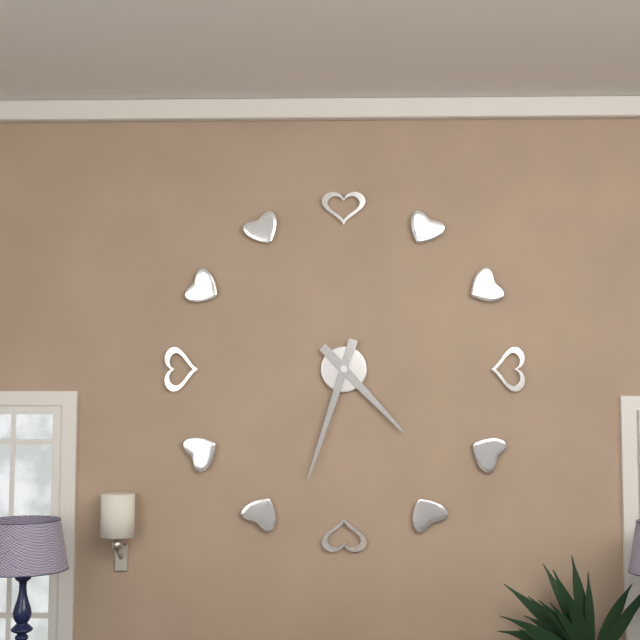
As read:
**4:33**
